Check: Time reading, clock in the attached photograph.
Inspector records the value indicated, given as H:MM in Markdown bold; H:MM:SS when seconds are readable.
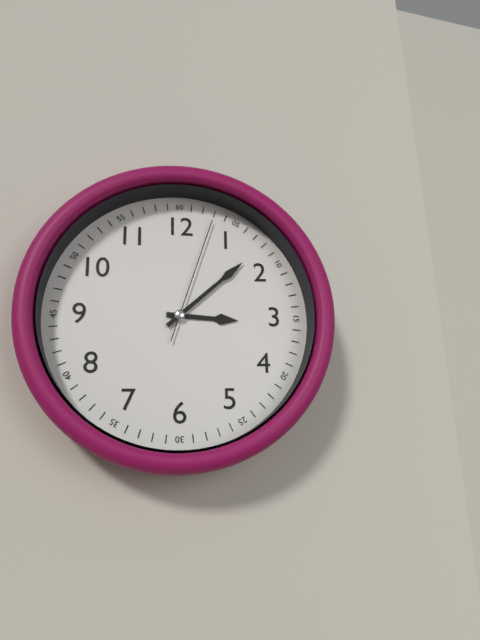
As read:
**3:08:03**
